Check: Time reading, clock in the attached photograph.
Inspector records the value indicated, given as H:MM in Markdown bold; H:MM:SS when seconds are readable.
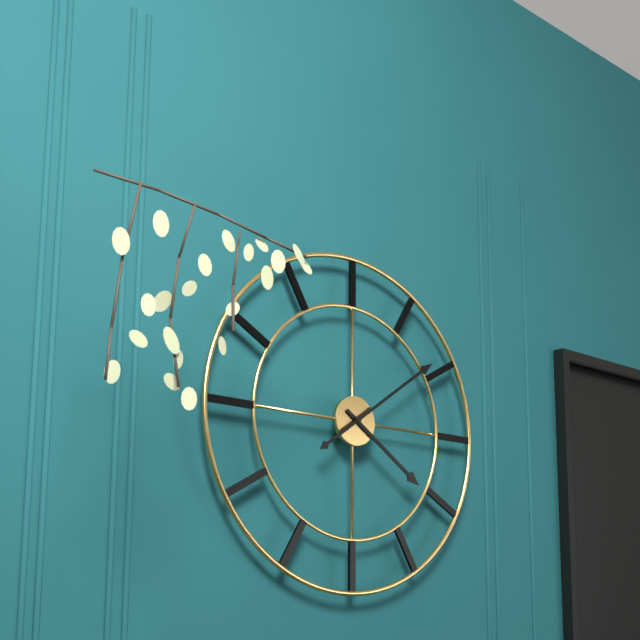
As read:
**4:09**
